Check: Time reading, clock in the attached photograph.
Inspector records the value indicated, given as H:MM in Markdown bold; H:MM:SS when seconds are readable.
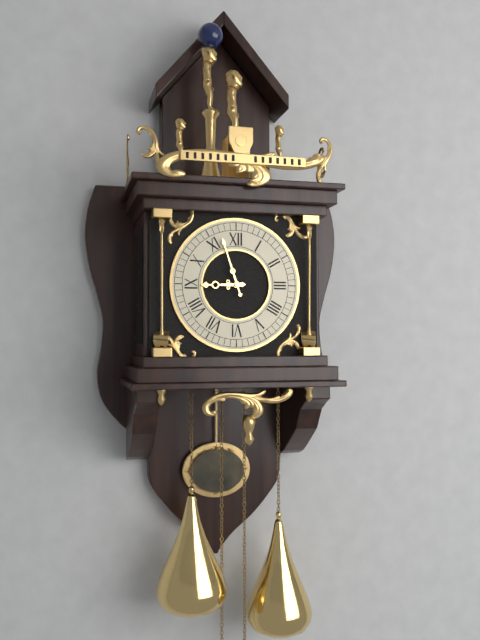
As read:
**8:57**
